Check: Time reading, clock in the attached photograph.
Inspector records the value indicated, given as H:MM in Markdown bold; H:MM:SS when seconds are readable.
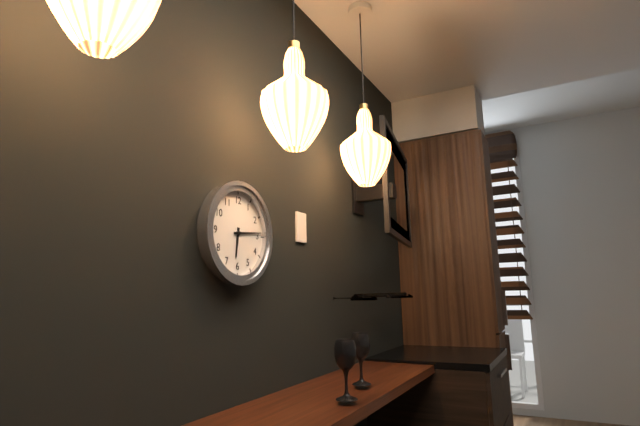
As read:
**6:14**
